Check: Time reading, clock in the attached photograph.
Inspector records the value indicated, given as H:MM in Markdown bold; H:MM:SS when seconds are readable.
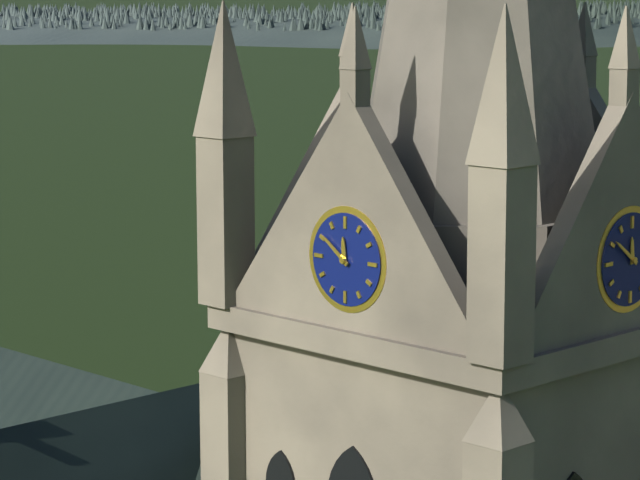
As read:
**11:51**
